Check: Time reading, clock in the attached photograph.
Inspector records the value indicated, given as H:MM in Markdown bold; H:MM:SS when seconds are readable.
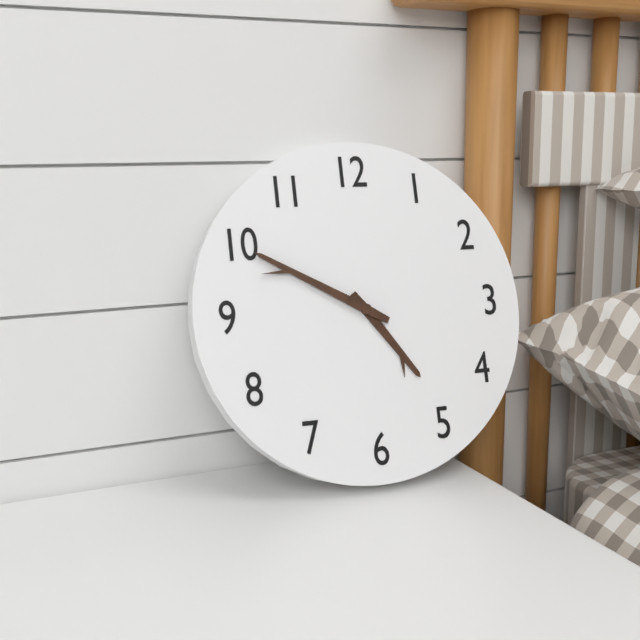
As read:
**4:50**
